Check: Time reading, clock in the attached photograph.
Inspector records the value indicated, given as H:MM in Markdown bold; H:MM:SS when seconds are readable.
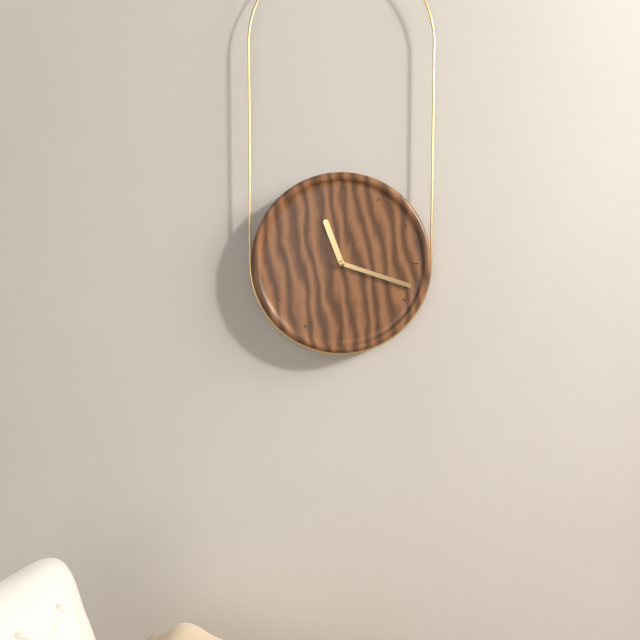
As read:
**11:18**
